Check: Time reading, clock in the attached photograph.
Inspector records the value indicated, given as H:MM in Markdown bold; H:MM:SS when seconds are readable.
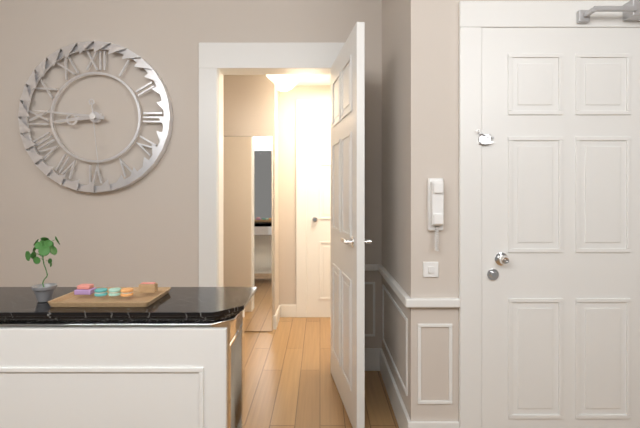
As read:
**8:46:29**
